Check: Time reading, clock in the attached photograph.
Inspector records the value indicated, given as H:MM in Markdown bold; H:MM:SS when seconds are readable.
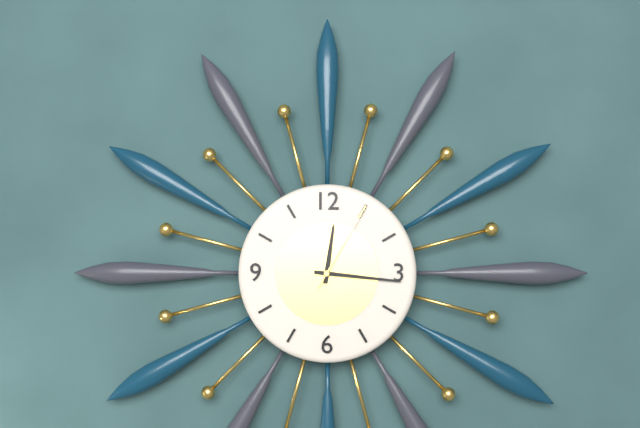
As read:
**12:16:05**
